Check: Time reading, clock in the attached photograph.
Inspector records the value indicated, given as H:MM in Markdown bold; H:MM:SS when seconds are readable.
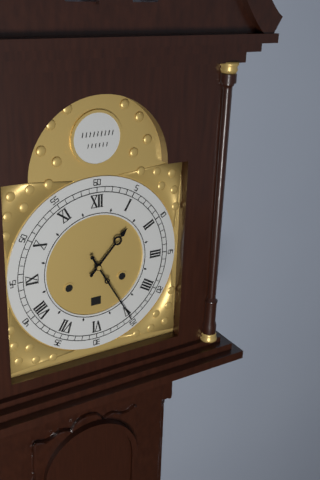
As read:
**1:25**
